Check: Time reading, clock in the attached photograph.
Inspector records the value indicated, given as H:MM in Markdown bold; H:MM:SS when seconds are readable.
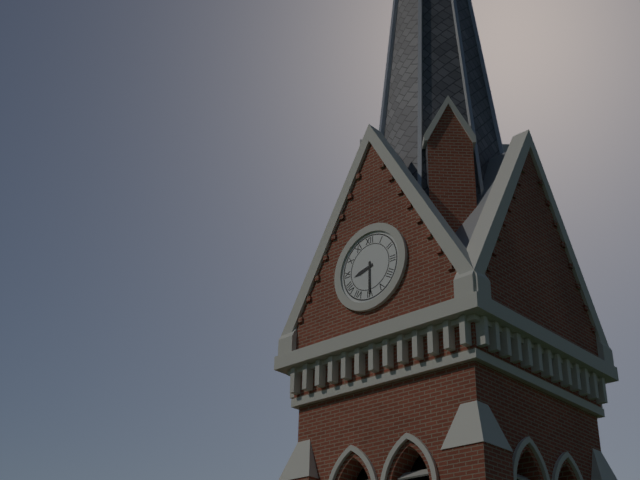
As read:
**8:30**
